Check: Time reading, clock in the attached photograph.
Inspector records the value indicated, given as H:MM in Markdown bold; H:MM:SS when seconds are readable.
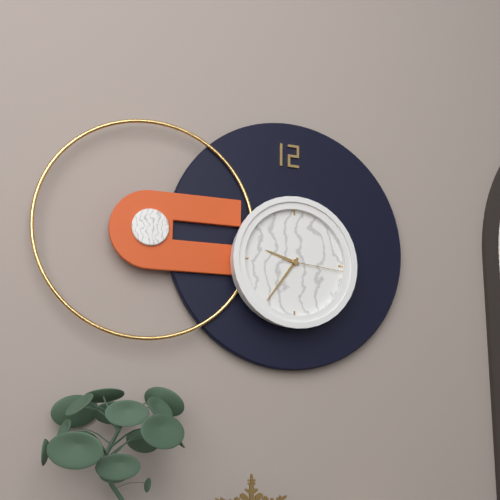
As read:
**9:36:16**
